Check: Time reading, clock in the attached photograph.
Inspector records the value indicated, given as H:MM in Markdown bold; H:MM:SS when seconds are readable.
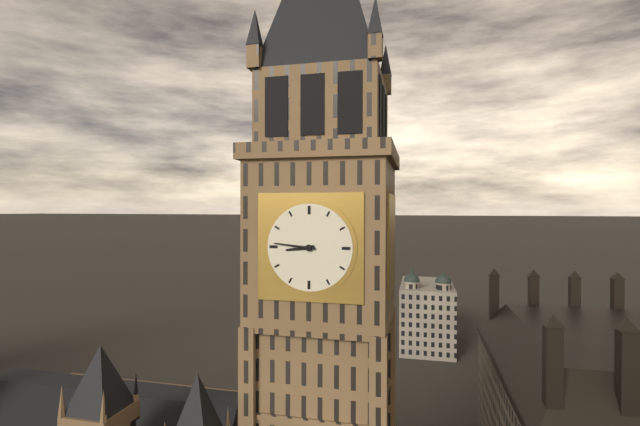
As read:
**8:46**
